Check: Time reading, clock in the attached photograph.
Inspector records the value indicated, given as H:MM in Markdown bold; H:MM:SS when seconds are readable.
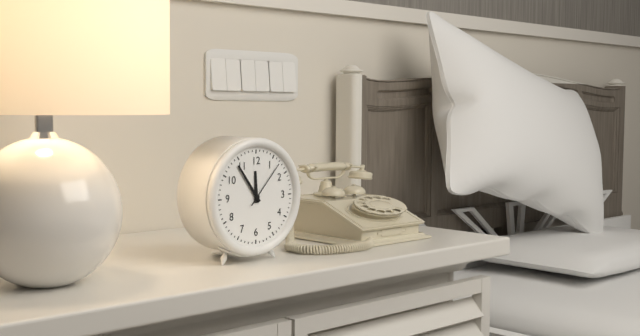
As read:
**11:54**
